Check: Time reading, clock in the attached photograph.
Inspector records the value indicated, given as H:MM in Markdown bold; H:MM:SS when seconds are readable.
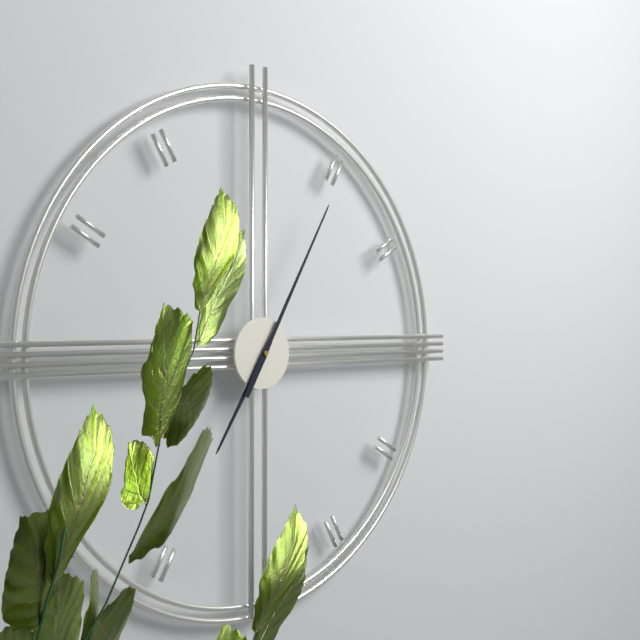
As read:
**7:05**
